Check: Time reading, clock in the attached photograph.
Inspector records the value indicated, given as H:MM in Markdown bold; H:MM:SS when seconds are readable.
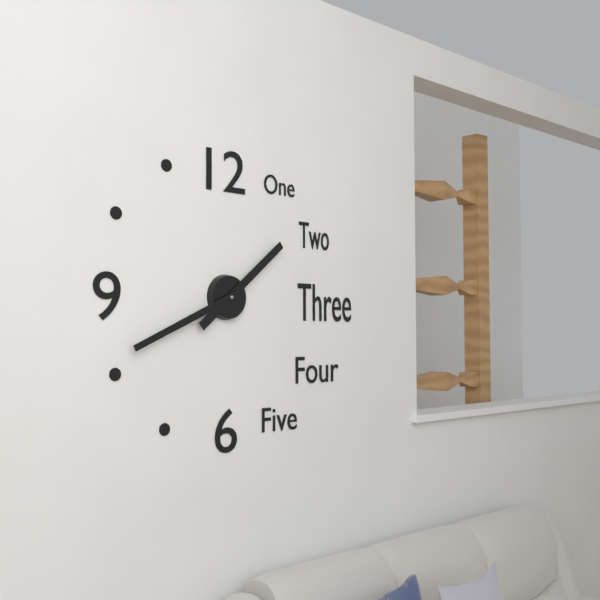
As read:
**1:41**
